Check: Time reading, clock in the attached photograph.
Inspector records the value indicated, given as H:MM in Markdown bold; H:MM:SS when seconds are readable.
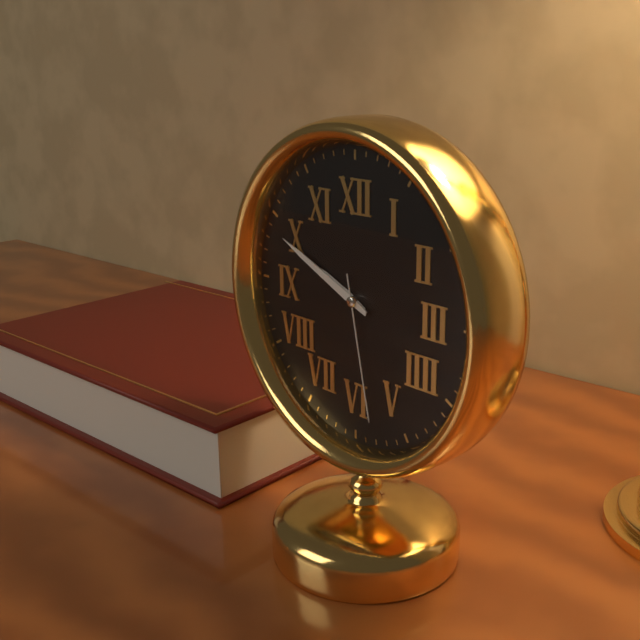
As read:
**9:49:28**
